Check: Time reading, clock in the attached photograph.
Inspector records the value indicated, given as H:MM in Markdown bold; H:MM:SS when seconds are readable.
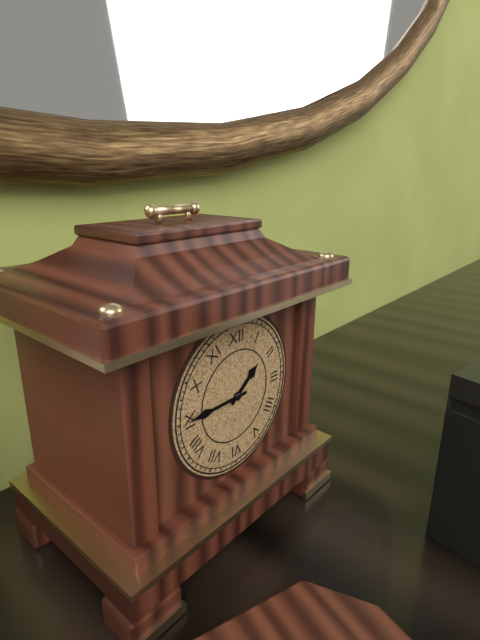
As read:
**1:45**
